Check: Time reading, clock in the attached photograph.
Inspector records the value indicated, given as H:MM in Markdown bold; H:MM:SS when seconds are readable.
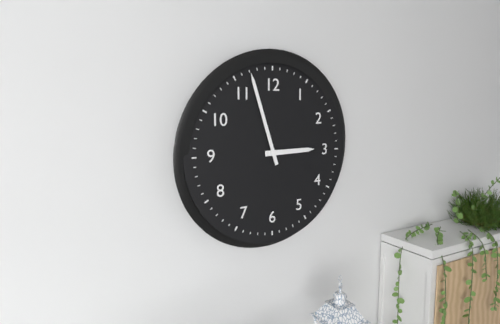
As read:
**2:57**
